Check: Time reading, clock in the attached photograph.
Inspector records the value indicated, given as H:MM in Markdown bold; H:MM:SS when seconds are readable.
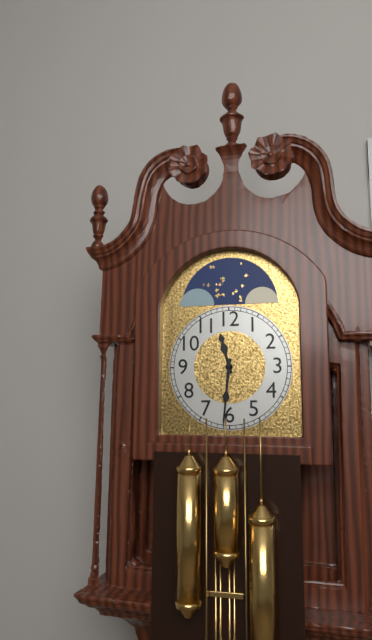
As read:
**11:31**
